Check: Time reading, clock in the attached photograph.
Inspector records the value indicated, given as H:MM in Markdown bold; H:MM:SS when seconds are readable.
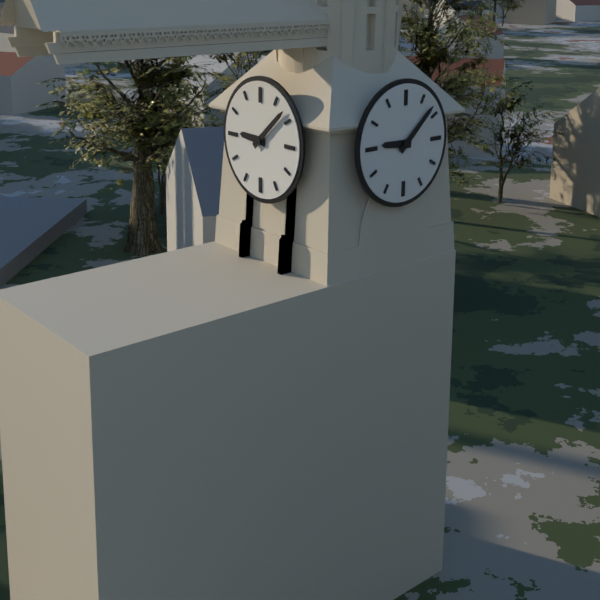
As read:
**9:08**
